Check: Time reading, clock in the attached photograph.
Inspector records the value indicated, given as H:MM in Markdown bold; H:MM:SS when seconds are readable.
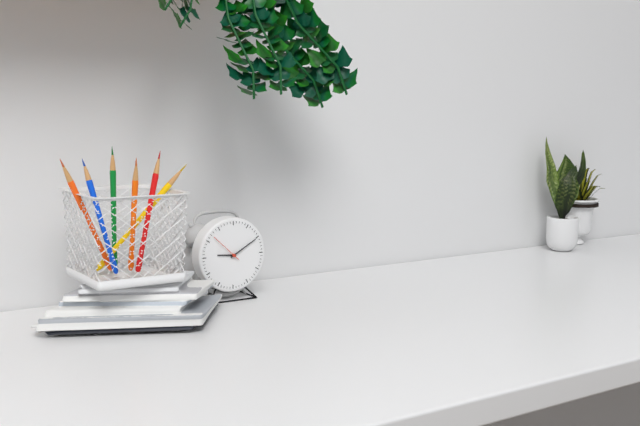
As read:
**9:10**
